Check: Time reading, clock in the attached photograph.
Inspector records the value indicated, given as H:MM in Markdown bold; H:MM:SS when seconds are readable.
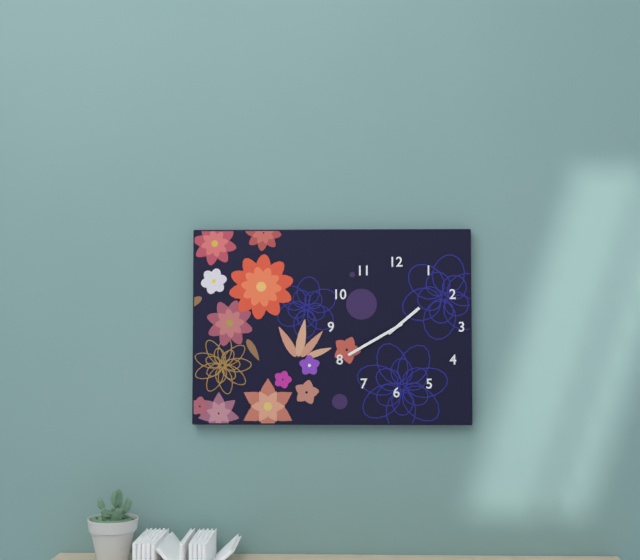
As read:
**1:40**
